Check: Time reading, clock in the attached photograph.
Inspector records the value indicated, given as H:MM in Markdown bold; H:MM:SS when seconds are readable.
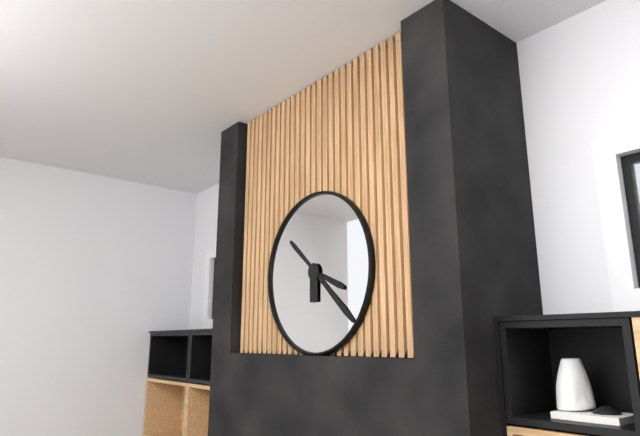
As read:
**10:22**
